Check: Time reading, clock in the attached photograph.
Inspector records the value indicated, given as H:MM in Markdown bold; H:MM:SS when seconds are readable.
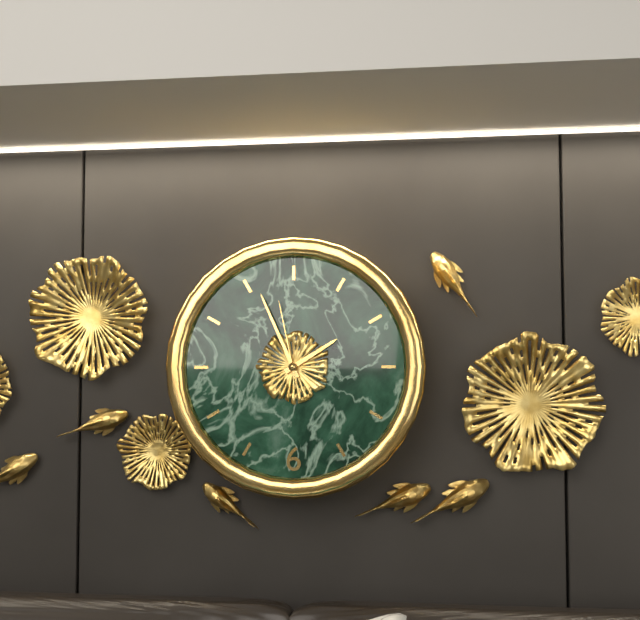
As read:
**1:56:58**
